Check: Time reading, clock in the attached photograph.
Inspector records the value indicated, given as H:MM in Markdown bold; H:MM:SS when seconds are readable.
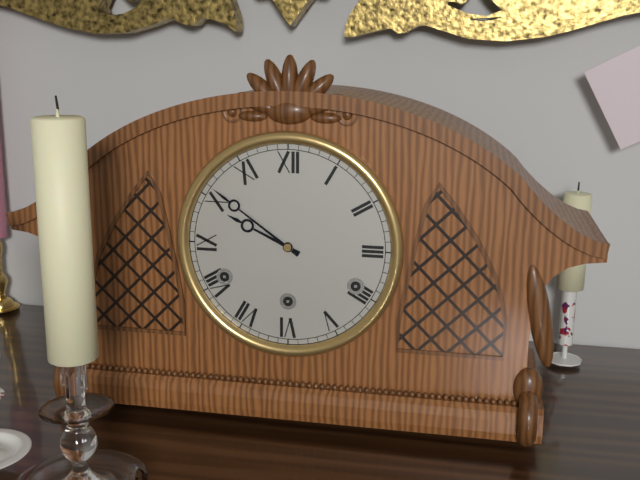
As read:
**9:51**
